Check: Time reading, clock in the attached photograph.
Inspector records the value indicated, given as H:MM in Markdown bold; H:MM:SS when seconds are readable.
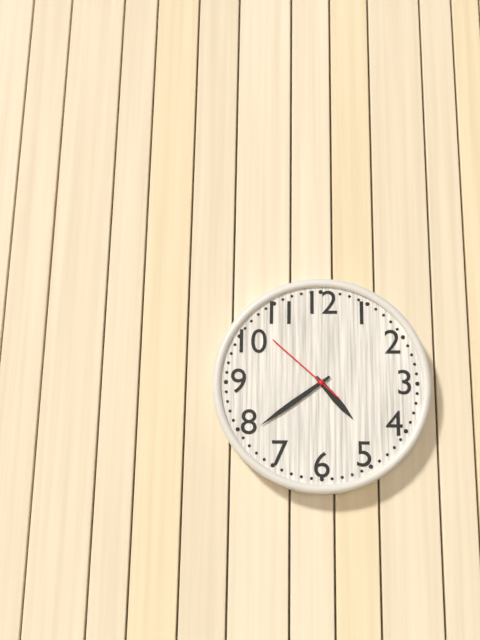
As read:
**4:39:52**
